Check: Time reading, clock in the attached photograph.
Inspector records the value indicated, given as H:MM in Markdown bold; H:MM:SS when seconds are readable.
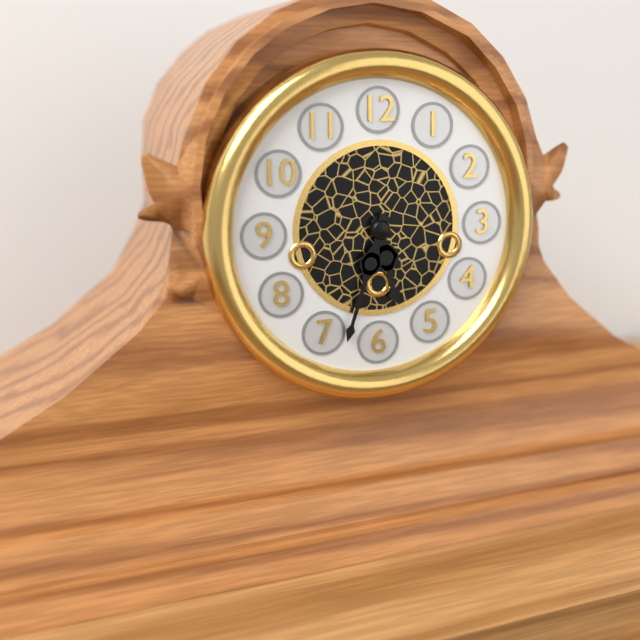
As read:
**5:33**
